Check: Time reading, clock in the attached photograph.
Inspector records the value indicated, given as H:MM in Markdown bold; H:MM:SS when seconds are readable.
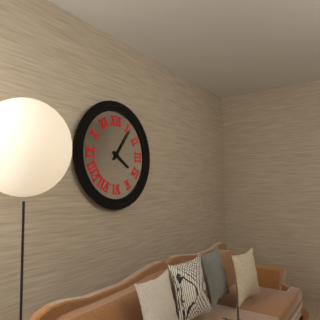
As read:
**4:06**
